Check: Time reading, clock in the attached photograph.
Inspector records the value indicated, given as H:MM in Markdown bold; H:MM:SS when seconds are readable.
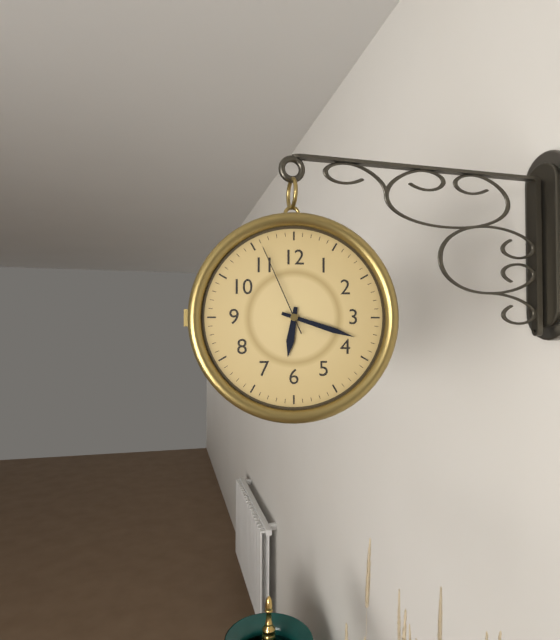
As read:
**6:18:56**
